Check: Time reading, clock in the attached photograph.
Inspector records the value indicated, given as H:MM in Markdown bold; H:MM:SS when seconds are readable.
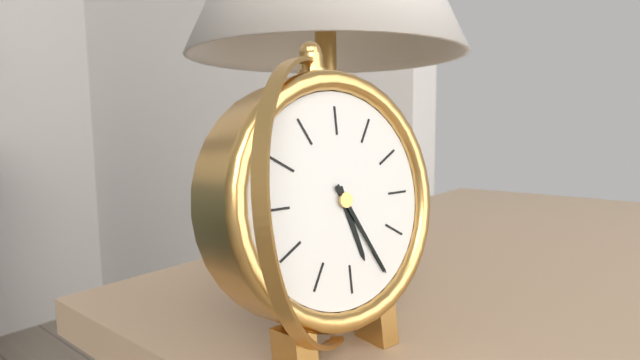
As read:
**5:25**
